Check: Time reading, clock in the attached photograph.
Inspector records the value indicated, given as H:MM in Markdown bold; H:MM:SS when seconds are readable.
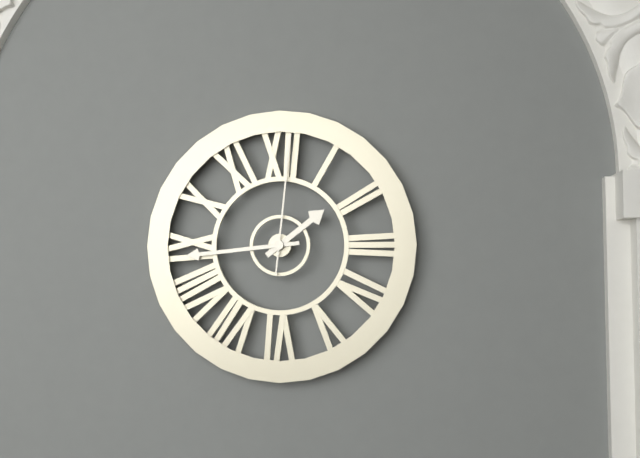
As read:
**1:44:01**
